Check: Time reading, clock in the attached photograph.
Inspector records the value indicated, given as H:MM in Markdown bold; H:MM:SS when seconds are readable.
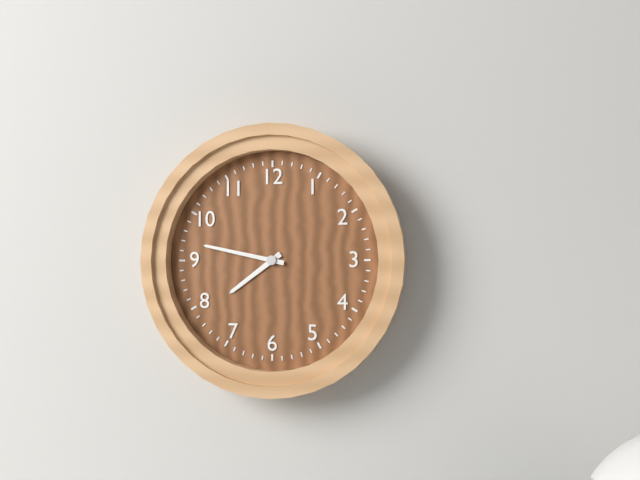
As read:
**7:47**
